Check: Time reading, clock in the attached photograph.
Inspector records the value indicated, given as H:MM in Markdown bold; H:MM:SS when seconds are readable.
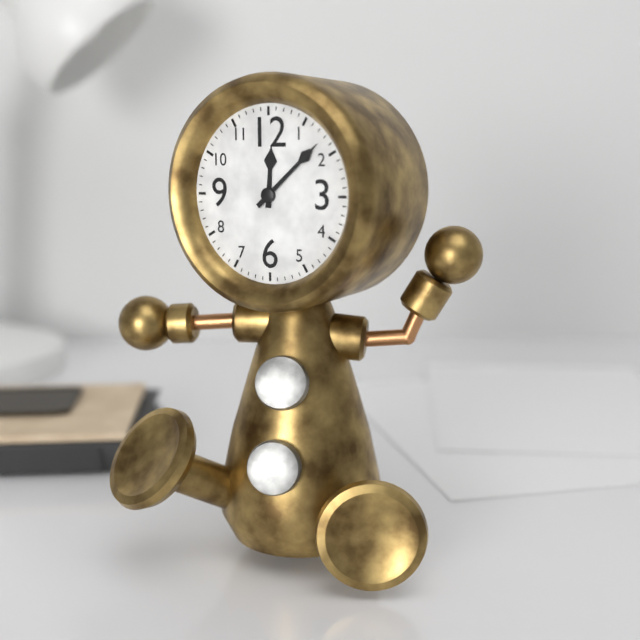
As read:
**12:08**
